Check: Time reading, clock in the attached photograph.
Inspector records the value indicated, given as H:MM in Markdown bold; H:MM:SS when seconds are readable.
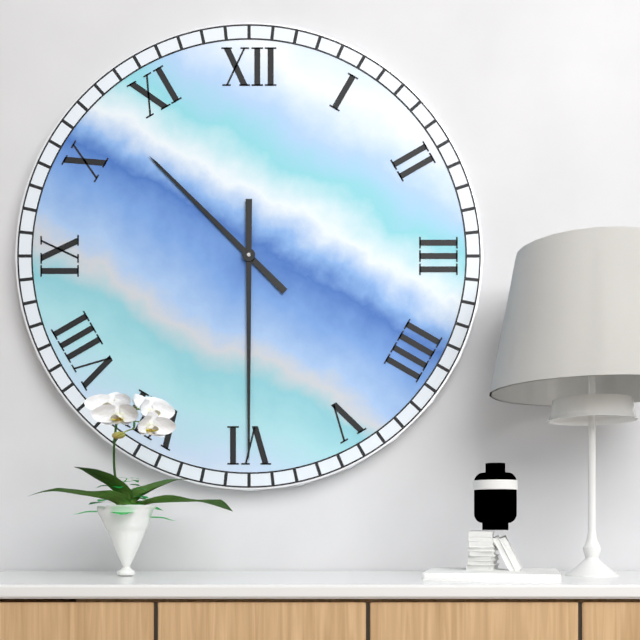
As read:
**10:30**
